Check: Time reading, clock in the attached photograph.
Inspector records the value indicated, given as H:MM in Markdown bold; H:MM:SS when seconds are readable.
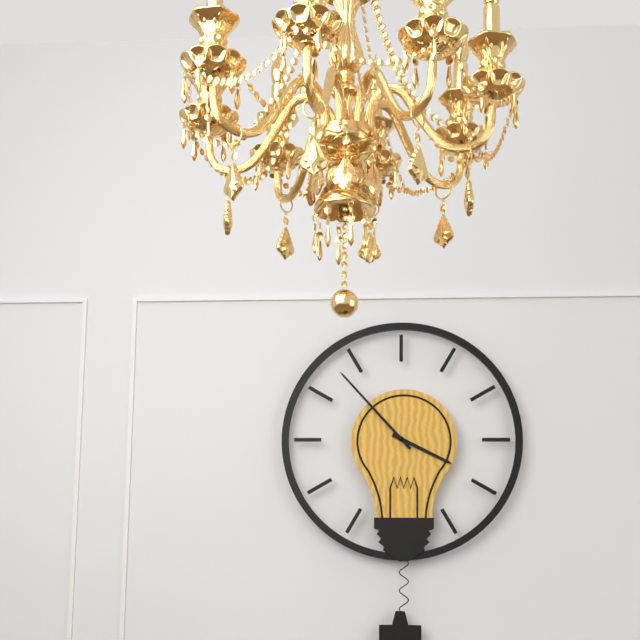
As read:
**3:53**
